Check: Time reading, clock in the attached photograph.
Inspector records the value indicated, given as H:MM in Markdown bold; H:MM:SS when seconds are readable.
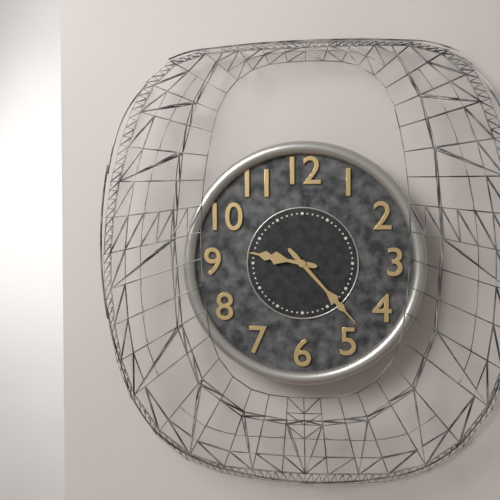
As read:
**9:23**
